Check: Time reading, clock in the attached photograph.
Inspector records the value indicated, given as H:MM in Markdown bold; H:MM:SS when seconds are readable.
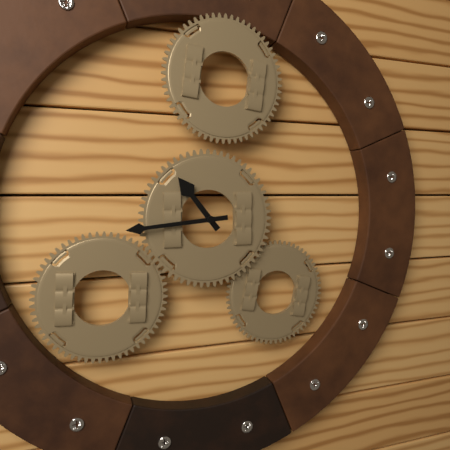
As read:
**10:44**
